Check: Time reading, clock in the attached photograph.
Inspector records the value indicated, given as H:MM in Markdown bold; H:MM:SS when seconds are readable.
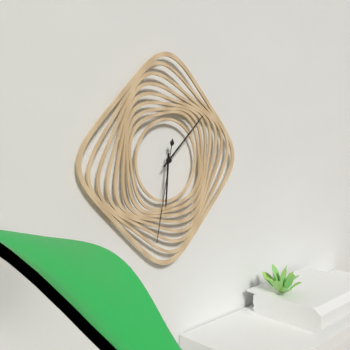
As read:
**6:08:32**
